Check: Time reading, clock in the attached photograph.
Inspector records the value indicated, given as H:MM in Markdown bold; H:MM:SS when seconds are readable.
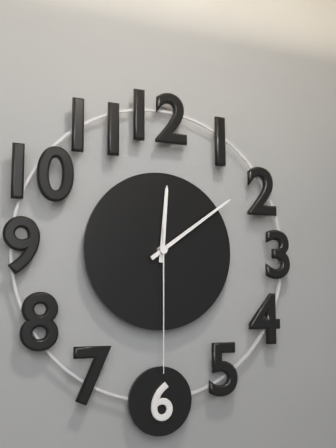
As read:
**12:09:30**
